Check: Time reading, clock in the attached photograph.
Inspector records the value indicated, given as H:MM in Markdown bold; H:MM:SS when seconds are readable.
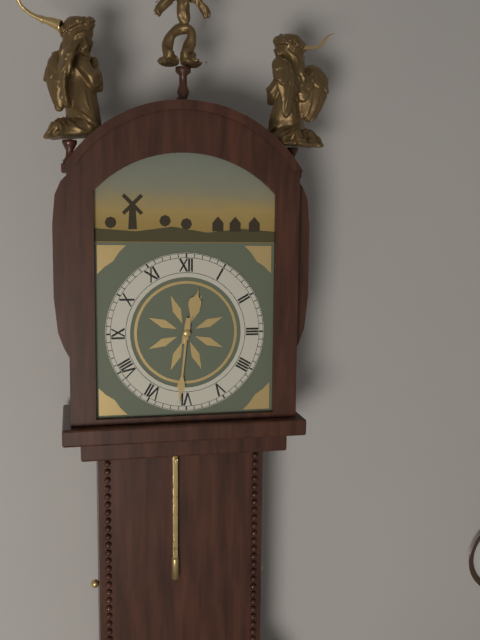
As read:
**12:31**
